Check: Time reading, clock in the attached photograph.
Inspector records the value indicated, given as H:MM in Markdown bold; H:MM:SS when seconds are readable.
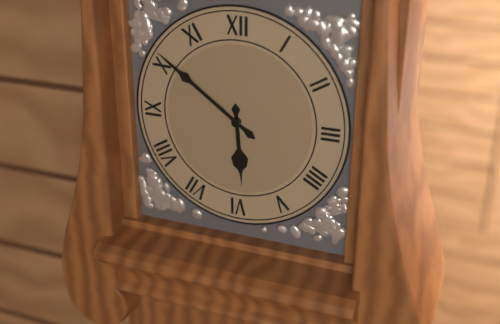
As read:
**5:51**
